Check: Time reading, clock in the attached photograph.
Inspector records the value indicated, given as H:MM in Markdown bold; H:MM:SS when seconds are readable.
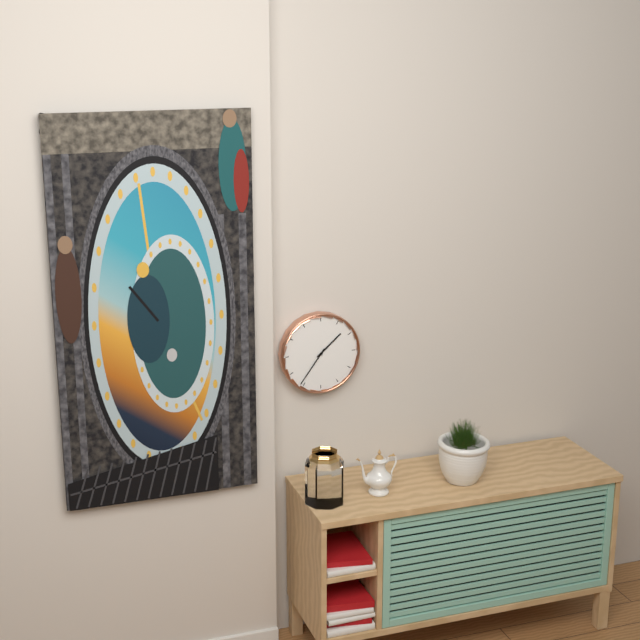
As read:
**1:36**
